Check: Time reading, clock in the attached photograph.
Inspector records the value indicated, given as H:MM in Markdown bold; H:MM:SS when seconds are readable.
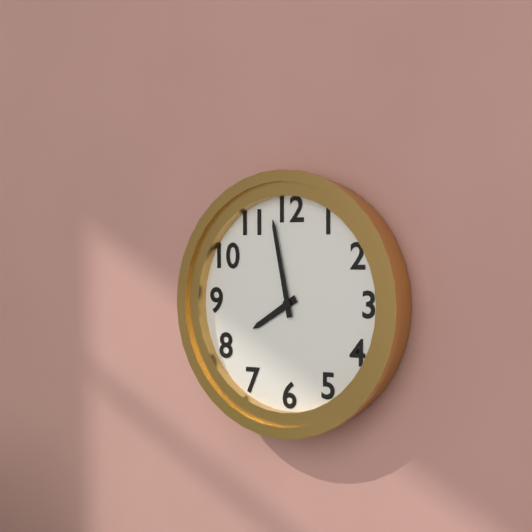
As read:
**7:58**
